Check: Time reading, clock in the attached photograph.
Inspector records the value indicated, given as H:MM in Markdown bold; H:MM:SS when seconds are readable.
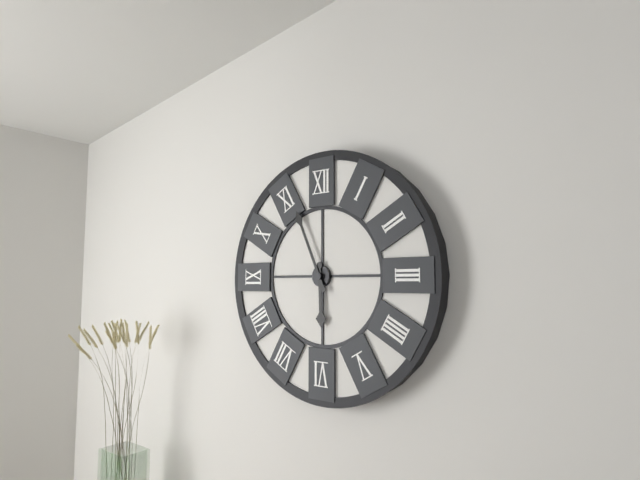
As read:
**5:56**
